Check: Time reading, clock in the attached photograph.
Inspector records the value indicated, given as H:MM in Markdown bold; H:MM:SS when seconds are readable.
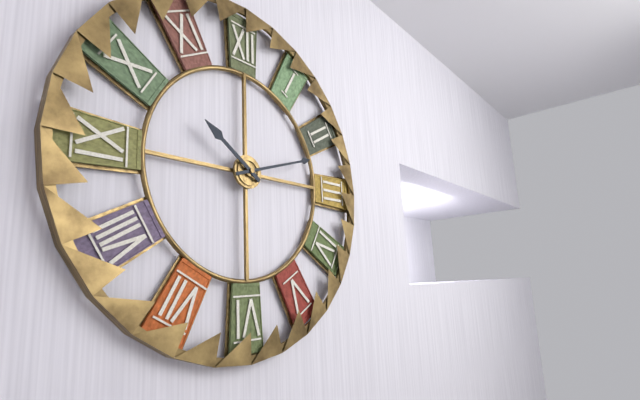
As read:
**10:12**
